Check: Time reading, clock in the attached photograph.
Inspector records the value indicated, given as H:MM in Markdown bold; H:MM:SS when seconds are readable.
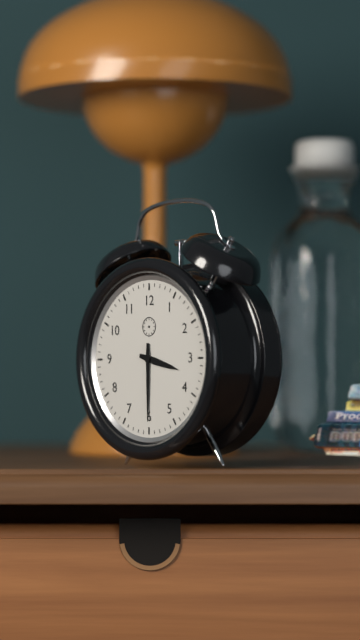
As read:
**3:30**
